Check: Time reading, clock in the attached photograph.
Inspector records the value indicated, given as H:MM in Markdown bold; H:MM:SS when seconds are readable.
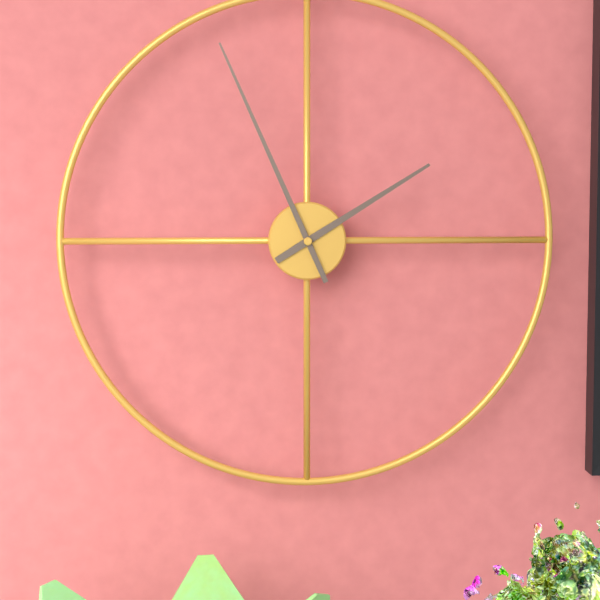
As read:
**1:56**
